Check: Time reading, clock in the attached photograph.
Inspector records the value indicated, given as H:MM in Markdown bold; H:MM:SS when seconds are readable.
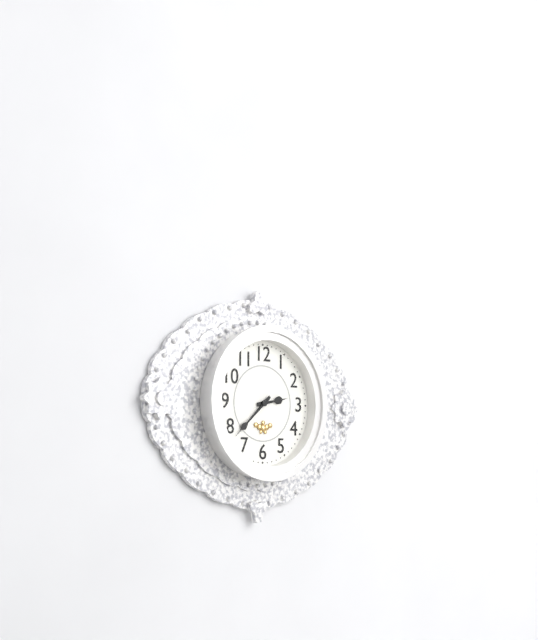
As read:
**2:38**
